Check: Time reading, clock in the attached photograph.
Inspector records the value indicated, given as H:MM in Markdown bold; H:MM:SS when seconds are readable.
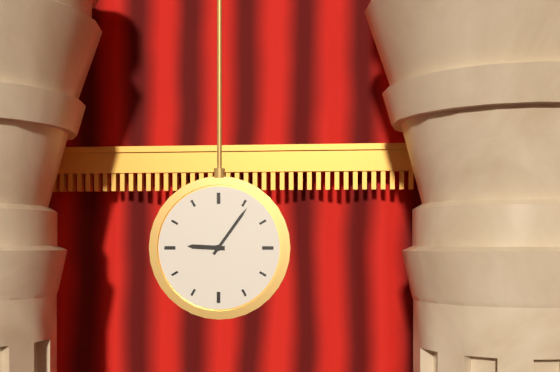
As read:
**9:06**
